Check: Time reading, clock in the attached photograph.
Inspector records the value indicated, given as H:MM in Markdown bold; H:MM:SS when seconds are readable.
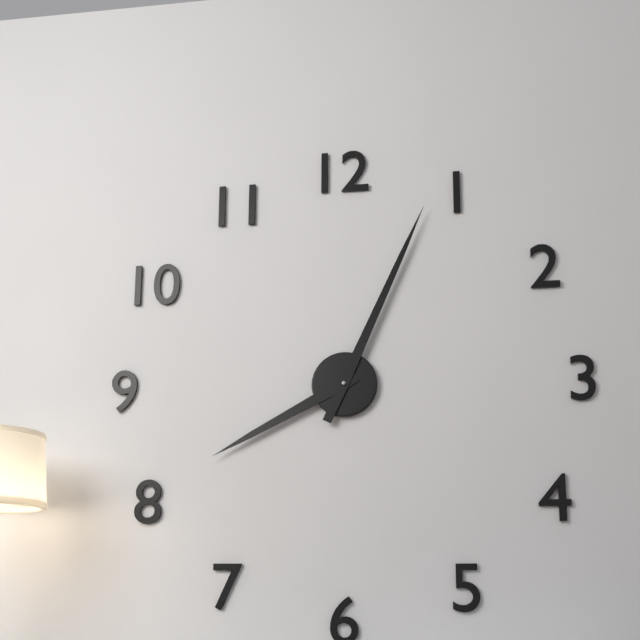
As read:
**8:04**
